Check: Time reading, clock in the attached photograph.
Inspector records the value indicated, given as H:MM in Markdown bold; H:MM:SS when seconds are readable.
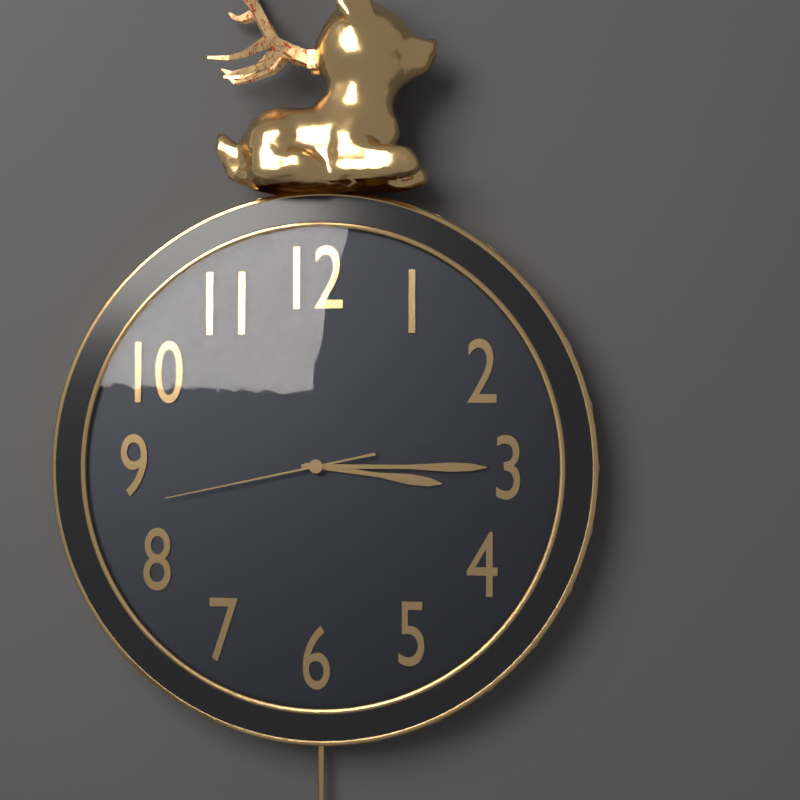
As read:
**3:15:43**
